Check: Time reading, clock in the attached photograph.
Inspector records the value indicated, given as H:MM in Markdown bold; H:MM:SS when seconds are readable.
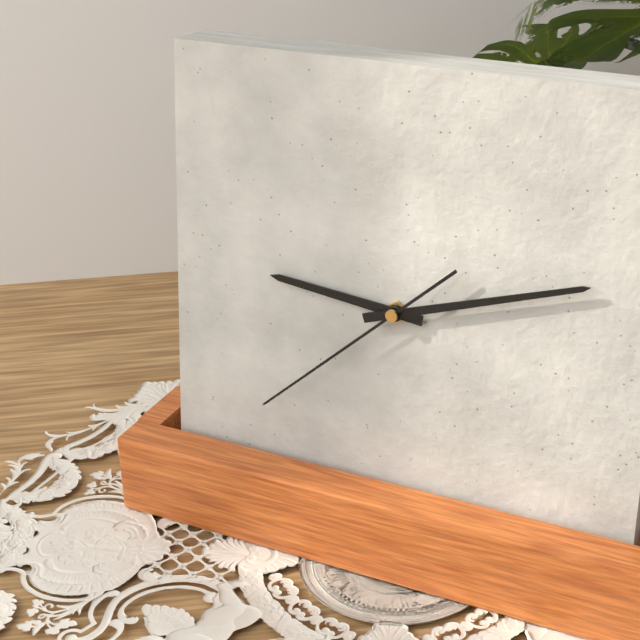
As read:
**9:12:38**
